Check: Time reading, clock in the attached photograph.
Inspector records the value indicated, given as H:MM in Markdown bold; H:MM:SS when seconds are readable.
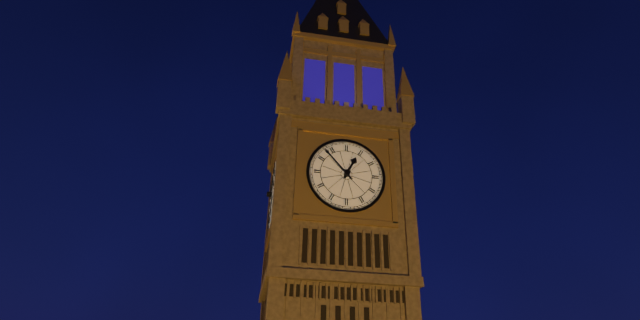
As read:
**12:53**
